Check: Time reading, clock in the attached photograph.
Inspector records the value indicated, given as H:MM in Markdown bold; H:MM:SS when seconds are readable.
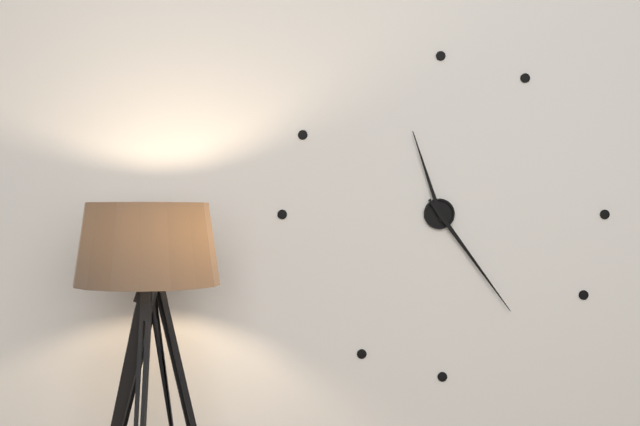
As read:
**11:24**
